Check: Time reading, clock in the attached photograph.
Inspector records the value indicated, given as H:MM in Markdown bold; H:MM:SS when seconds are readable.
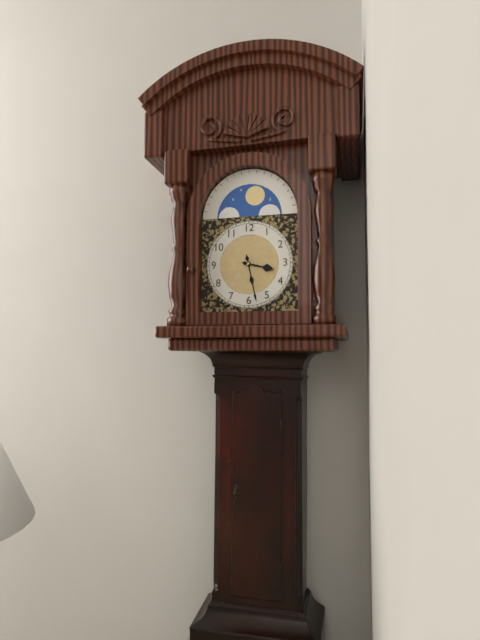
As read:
**3:28**
